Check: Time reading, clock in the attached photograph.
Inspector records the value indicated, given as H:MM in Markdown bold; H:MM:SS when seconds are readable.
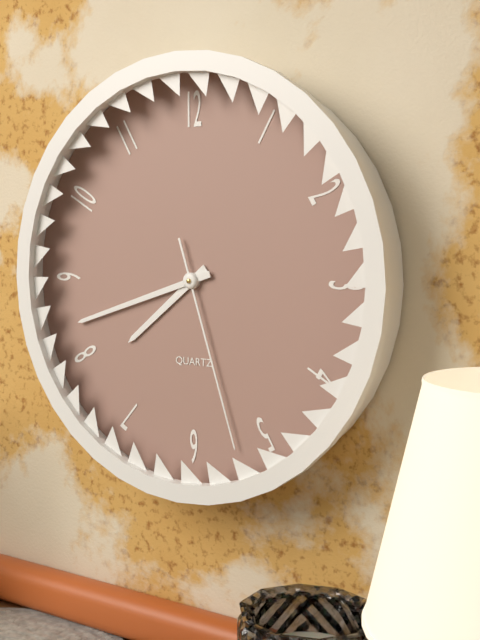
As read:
**7:42:27**
